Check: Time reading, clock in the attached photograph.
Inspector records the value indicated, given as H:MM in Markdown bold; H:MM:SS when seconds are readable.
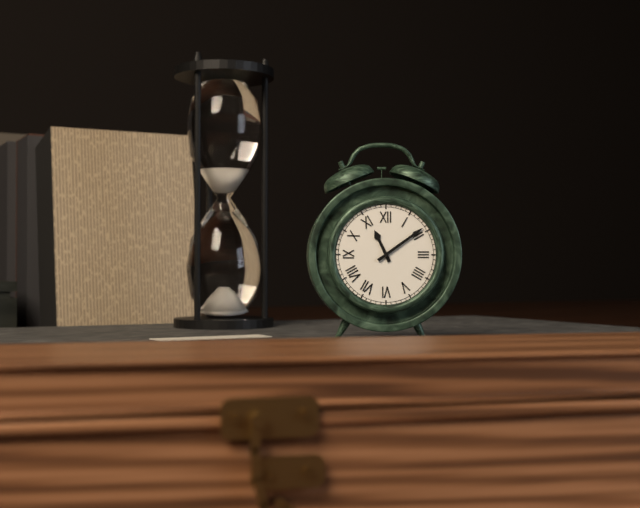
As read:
**11:09**
